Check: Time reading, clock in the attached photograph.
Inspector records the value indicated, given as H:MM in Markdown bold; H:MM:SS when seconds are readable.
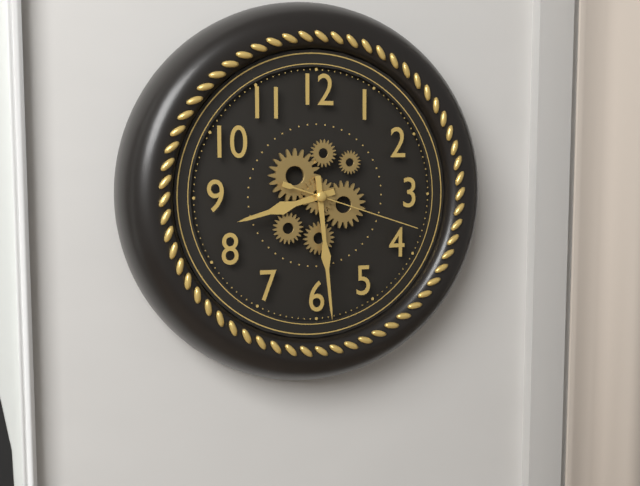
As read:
**8:29:18**
